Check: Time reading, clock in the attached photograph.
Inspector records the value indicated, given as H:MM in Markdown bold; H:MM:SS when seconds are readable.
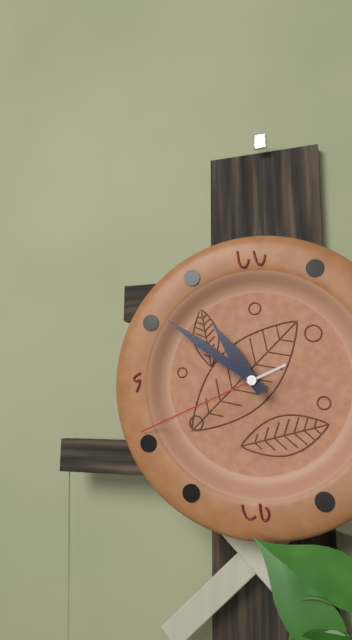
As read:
**10:51:41**
